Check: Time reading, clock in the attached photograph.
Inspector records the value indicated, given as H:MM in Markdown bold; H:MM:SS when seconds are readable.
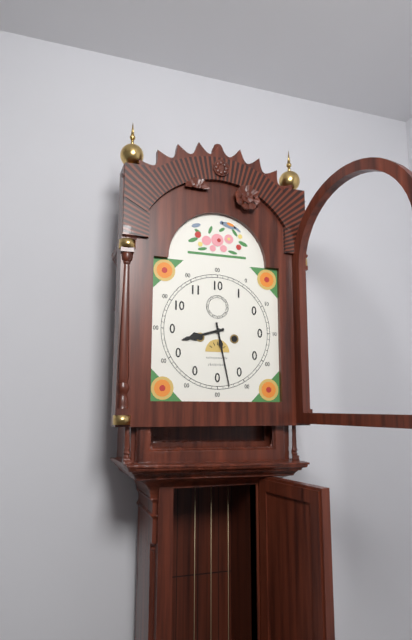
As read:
**8:28**
